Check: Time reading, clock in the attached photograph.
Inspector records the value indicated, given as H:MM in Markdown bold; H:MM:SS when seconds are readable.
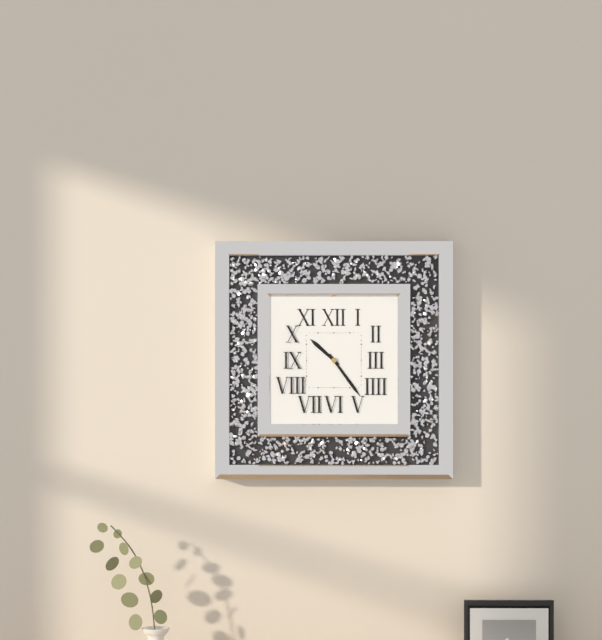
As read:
**10:24**
